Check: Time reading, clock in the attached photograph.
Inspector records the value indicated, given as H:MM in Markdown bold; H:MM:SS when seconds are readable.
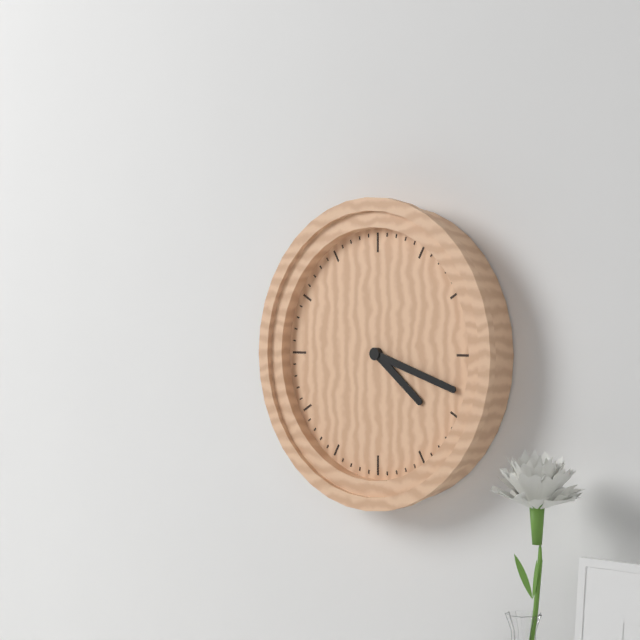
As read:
**4:18**
